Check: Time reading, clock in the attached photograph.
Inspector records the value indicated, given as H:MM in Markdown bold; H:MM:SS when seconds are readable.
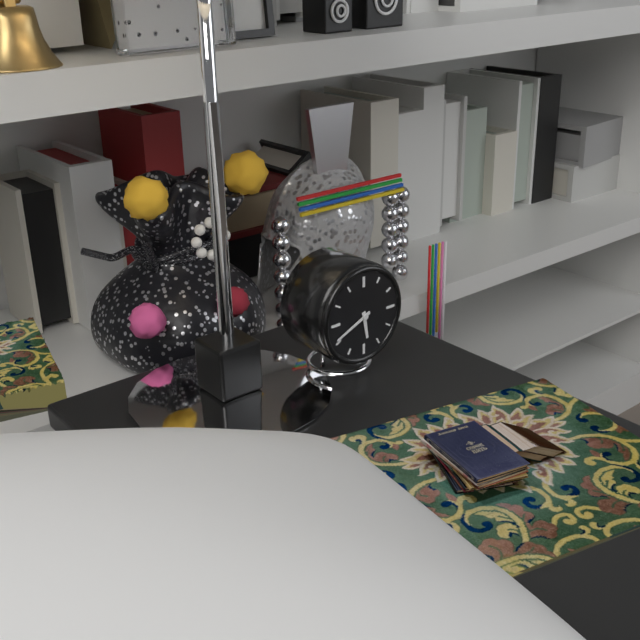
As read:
**5:41**
